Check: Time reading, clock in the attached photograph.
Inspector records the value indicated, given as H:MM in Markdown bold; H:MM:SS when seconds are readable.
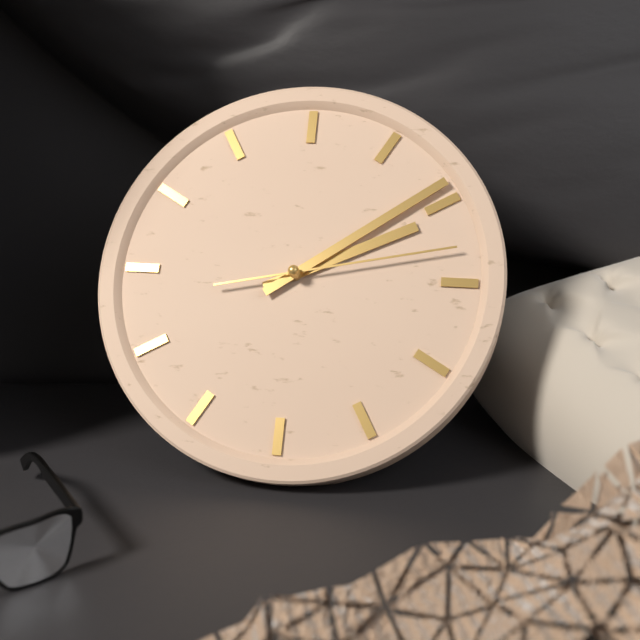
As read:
**2:09:13**
